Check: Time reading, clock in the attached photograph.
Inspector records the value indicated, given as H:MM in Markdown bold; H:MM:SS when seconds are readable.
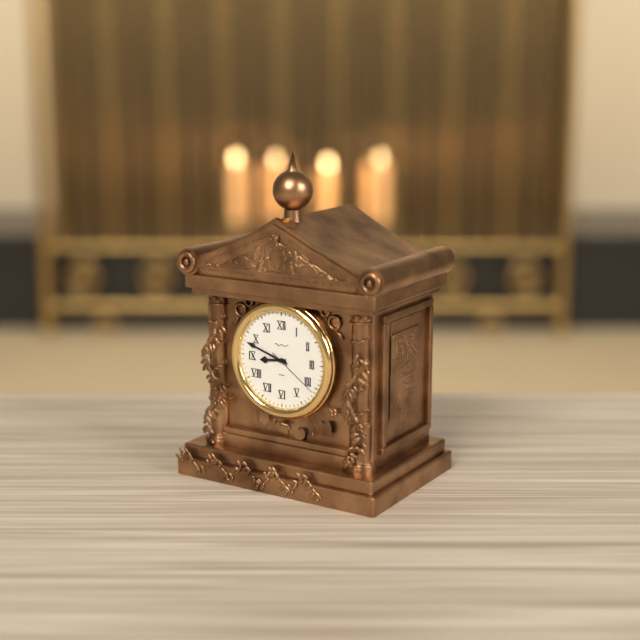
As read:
**8:48:21**
